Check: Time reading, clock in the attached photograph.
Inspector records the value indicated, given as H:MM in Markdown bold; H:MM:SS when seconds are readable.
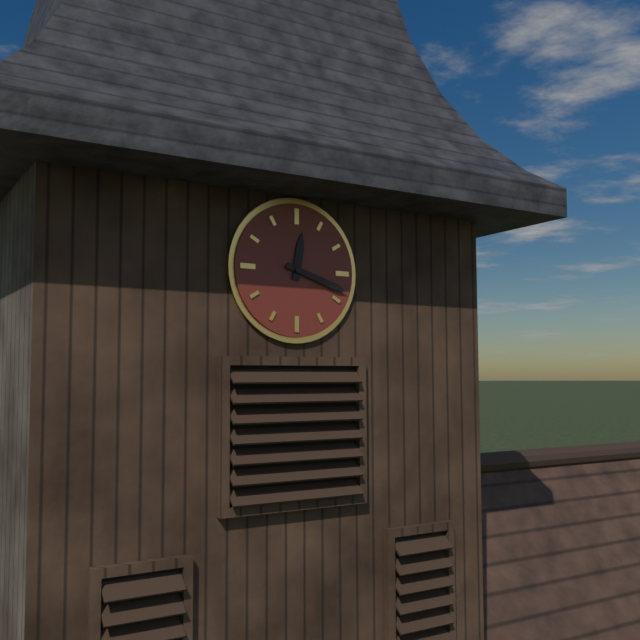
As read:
**12:18**
